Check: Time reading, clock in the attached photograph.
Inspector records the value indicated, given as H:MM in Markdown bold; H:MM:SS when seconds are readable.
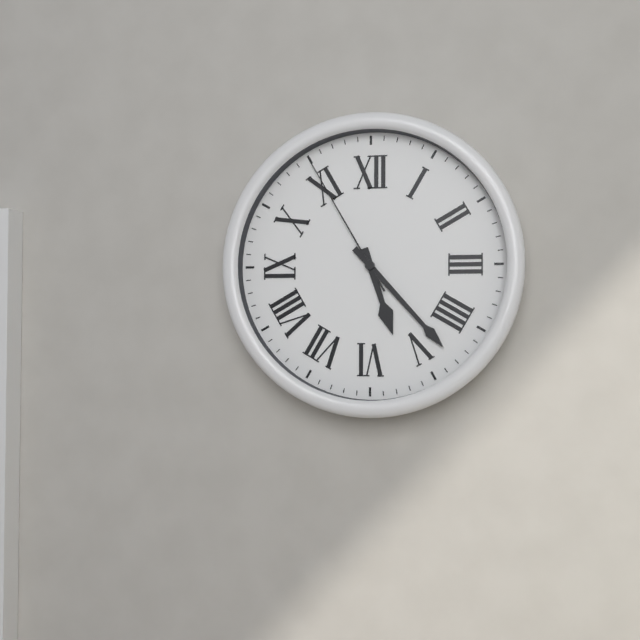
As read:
**5:23:55**
